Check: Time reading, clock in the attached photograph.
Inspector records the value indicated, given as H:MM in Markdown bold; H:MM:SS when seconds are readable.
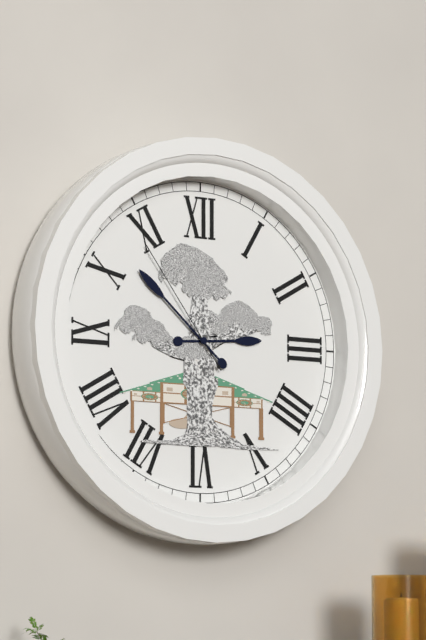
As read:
**2:52:54**
